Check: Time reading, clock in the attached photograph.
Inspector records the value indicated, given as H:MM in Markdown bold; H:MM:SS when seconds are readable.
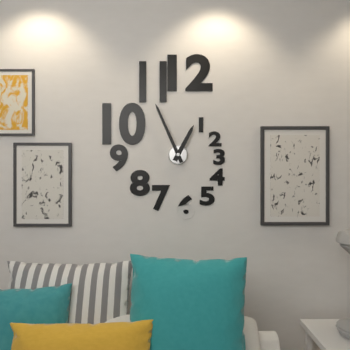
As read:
**12:56**
